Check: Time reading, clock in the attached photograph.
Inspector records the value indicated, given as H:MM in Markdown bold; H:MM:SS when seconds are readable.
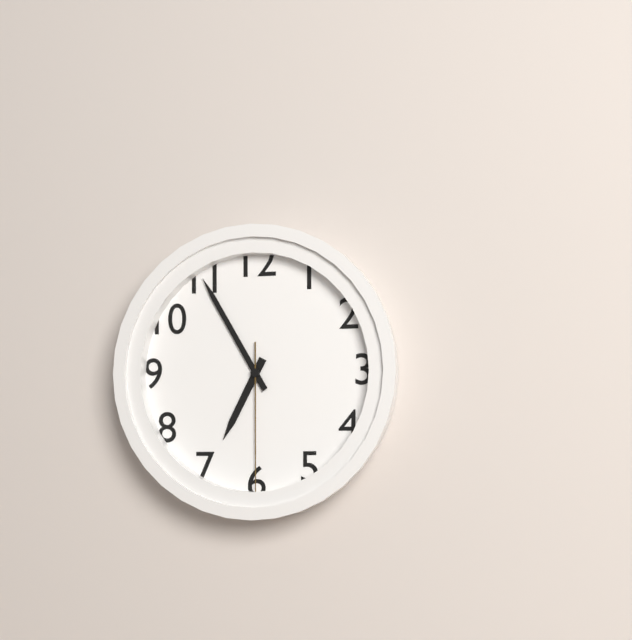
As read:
**6:55:30**
